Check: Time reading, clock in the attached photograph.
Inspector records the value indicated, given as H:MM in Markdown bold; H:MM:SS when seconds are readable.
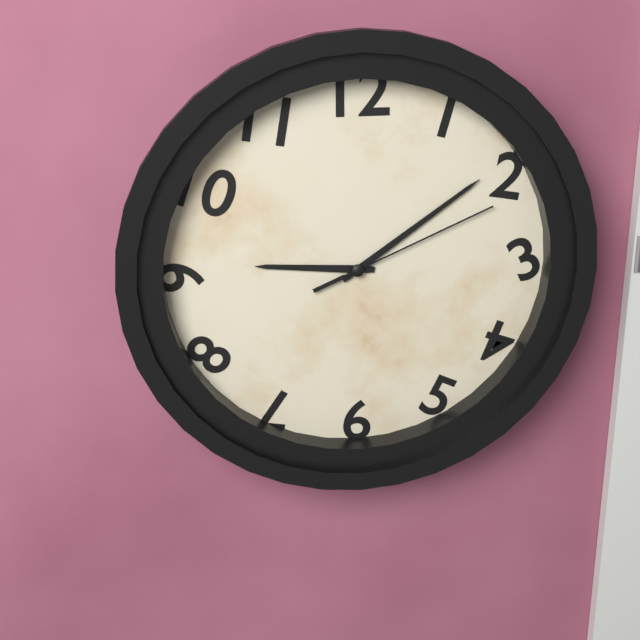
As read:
**9:09:11**
